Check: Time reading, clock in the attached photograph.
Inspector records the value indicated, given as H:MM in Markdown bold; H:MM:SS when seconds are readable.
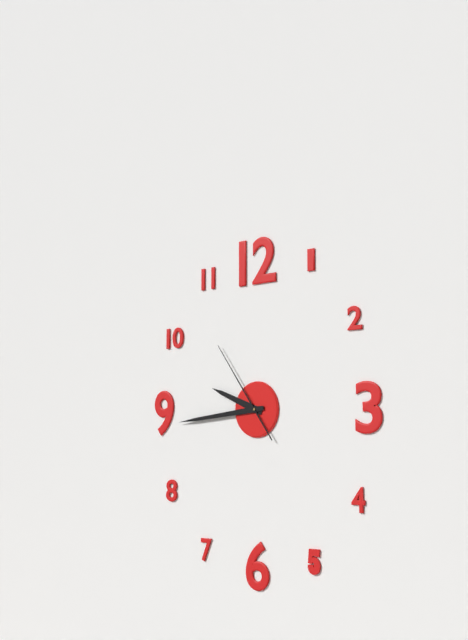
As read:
**9:44:54**
